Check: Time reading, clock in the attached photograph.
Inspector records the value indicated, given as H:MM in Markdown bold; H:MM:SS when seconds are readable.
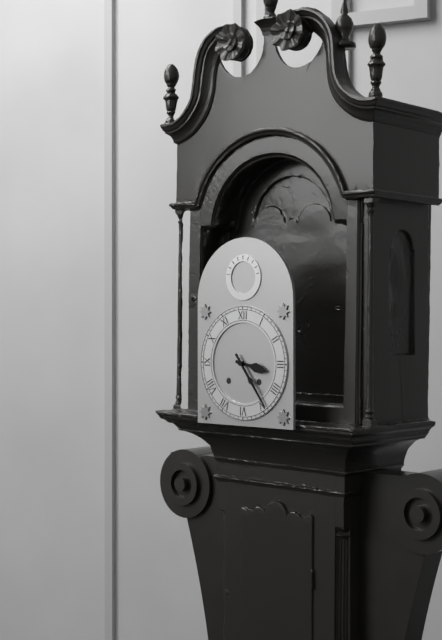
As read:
**3:24**
